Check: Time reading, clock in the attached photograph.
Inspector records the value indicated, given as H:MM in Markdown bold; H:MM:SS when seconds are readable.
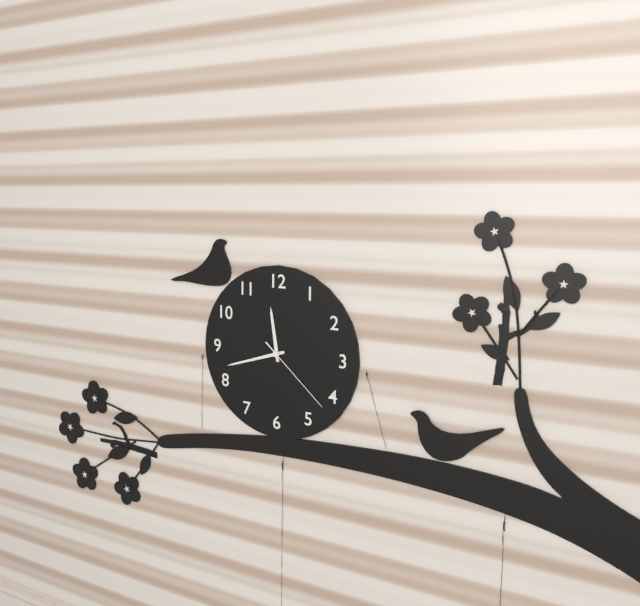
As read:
**11:42:22**
